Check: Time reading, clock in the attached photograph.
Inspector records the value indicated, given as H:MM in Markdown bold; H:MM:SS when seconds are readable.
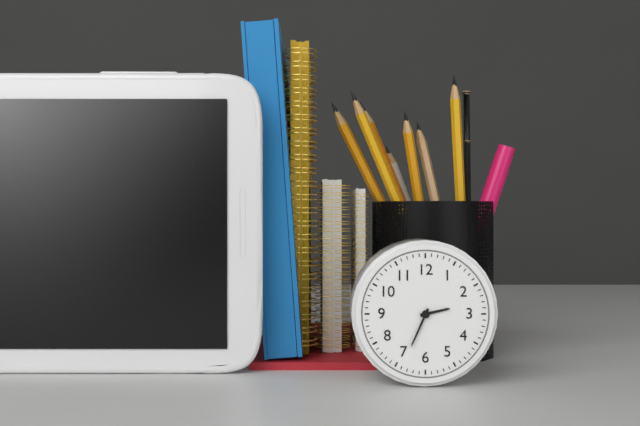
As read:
**2:34**
